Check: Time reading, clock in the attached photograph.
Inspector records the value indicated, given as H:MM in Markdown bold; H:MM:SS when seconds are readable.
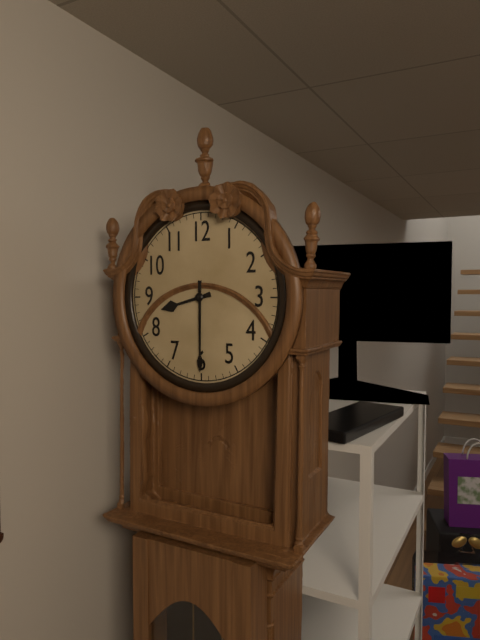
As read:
**8:30**
